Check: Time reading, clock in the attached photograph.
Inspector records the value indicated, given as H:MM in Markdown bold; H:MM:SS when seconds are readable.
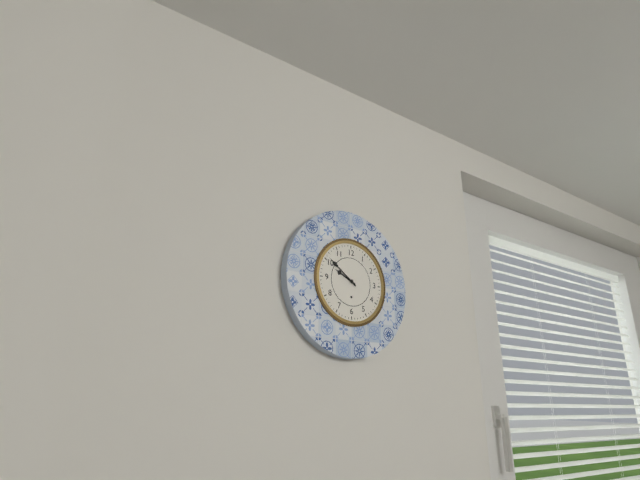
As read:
**9:51**
